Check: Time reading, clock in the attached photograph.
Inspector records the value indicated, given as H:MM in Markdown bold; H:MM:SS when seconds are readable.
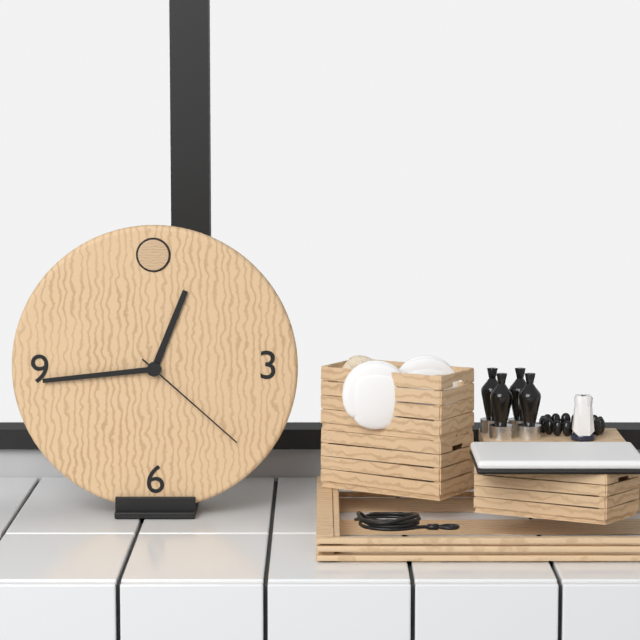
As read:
**12:44:22**
